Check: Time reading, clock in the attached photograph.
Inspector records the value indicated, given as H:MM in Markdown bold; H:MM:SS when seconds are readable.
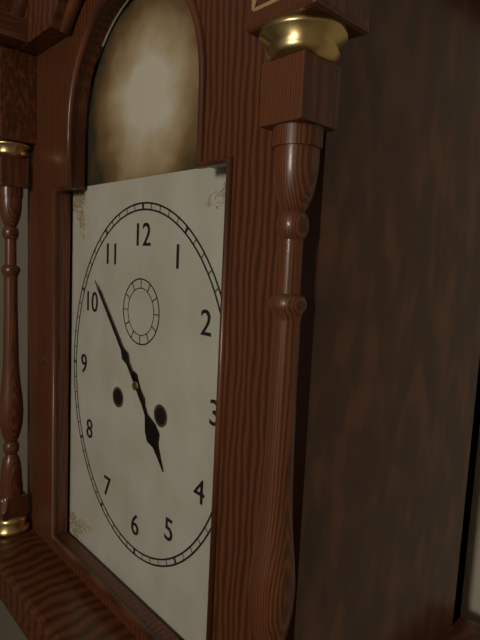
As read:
**4:53**
